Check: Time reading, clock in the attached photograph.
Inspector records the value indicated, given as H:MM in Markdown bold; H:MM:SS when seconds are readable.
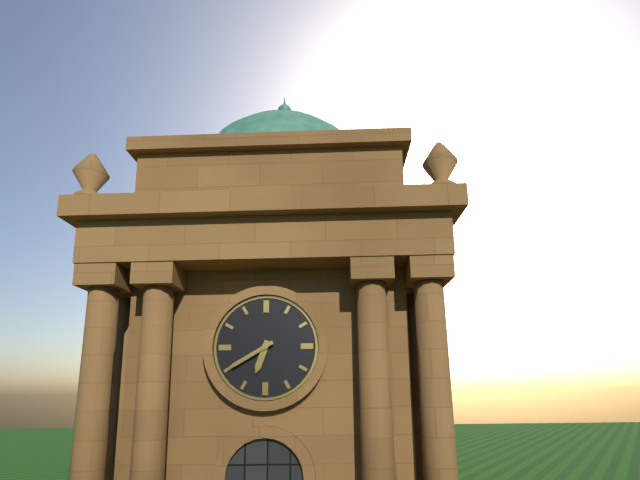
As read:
**6:40**
